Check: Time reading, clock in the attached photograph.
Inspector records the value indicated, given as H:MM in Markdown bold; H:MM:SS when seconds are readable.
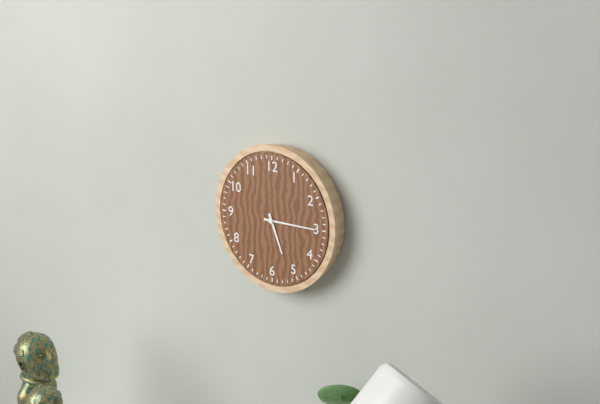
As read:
**5:15**
